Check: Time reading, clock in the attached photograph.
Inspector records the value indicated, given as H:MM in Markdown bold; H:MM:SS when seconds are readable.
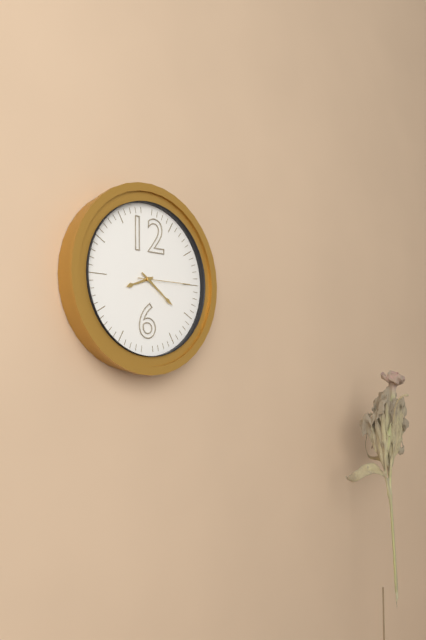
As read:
**8:21:15**
